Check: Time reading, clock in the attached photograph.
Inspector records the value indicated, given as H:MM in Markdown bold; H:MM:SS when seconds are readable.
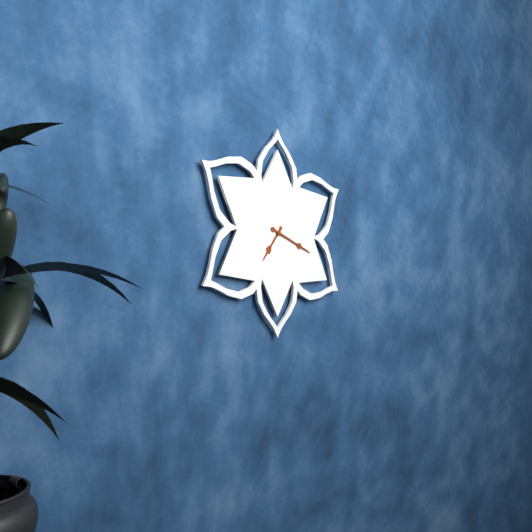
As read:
**7:18**
